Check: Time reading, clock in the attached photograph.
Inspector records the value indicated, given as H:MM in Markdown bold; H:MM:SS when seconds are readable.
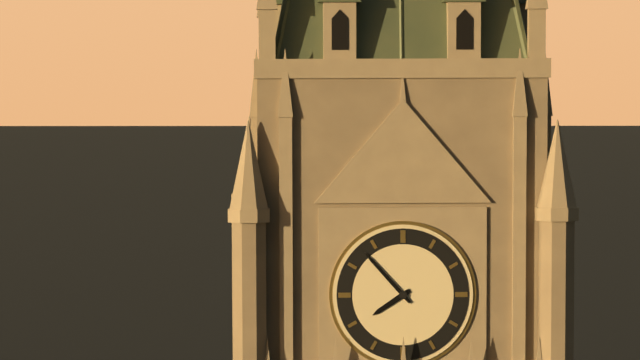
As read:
**7:53**
